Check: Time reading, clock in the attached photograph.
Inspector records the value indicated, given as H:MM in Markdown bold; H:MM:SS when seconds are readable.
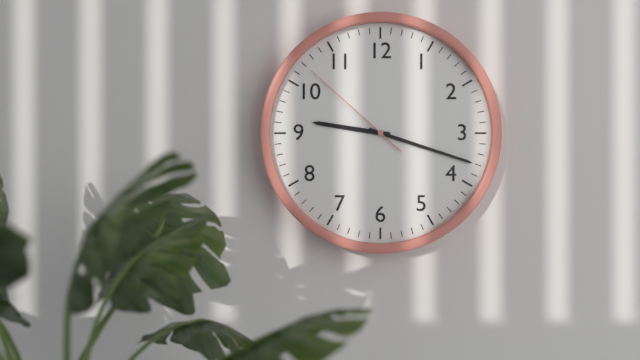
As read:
**9:18:52**
